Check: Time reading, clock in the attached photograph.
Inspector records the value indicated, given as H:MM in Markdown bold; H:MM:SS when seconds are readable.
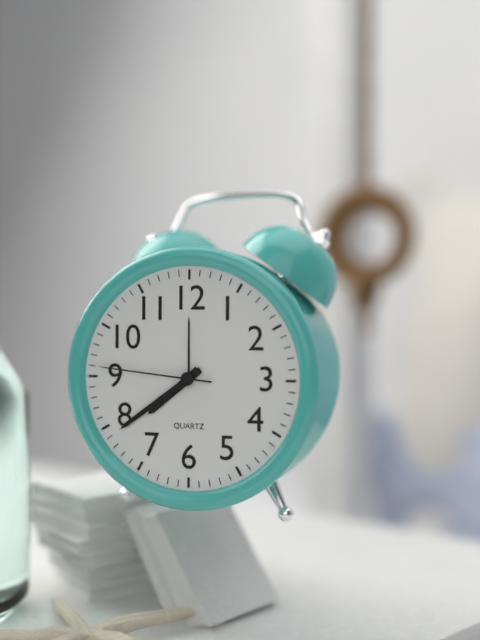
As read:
**7:39:46**
